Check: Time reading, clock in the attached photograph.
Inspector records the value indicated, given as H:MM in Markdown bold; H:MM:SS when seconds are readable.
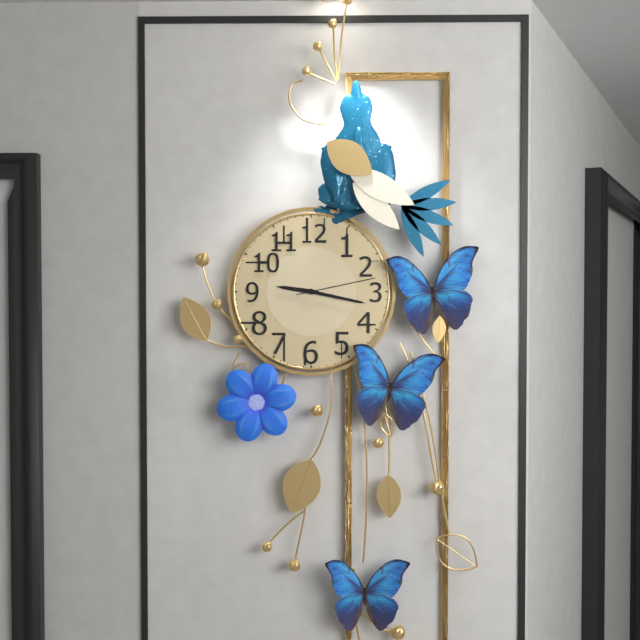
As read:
**9:17:13**
